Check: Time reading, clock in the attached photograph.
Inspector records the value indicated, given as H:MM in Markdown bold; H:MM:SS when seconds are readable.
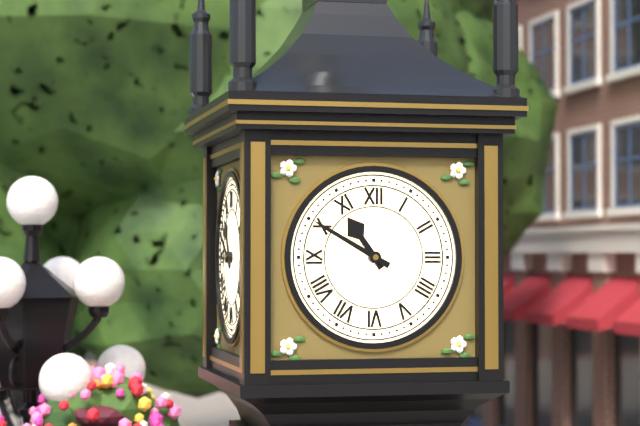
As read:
**10:50**
